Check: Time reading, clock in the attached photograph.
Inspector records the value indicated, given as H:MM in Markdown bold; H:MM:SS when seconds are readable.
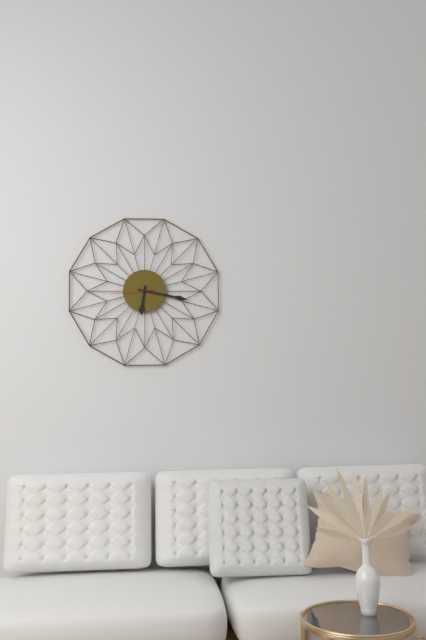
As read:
**6:17**
